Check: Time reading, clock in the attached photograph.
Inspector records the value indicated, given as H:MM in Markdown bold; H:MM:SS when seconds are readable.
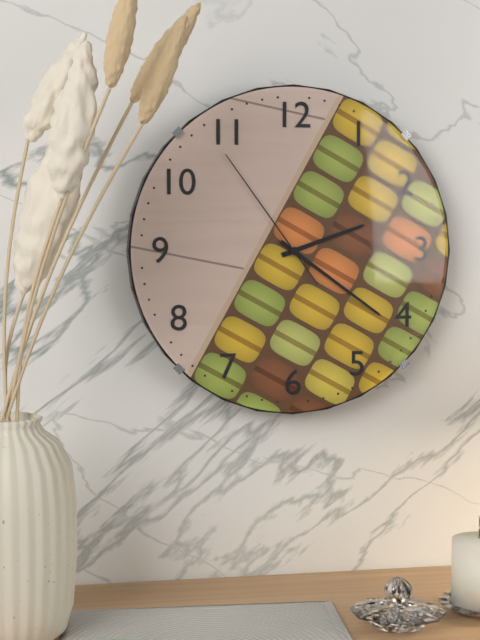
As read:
**2:21:54**
